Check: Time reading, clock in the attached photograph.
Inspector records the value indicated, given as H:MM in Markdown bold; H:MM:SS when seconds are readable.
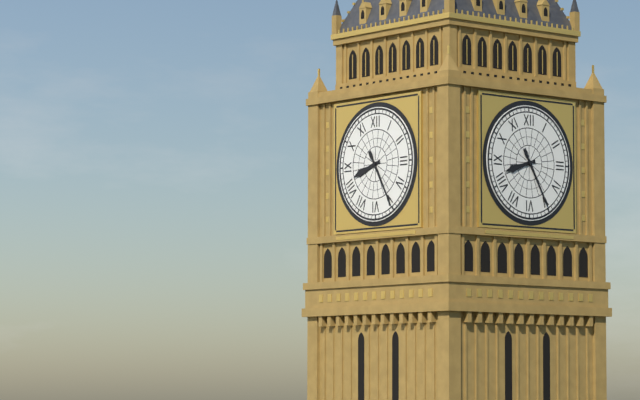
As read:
**8:25**
